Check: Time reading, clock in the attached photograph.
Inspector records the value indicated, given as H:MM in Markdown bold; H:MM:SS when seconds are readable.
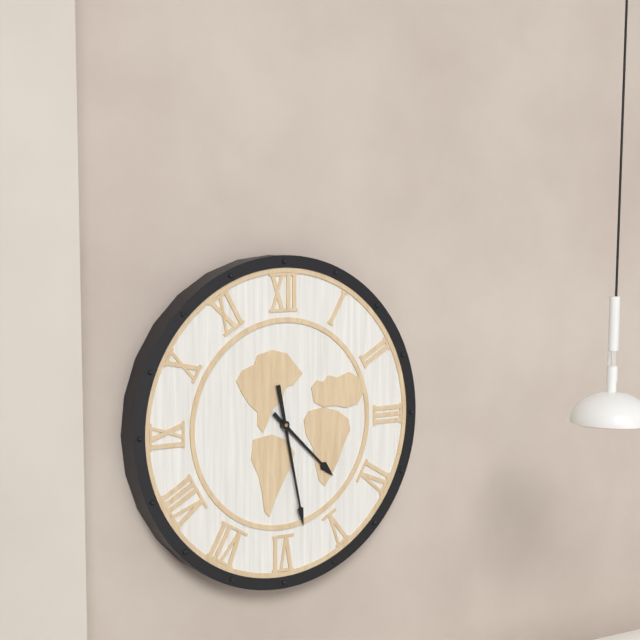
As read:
**4:28**
